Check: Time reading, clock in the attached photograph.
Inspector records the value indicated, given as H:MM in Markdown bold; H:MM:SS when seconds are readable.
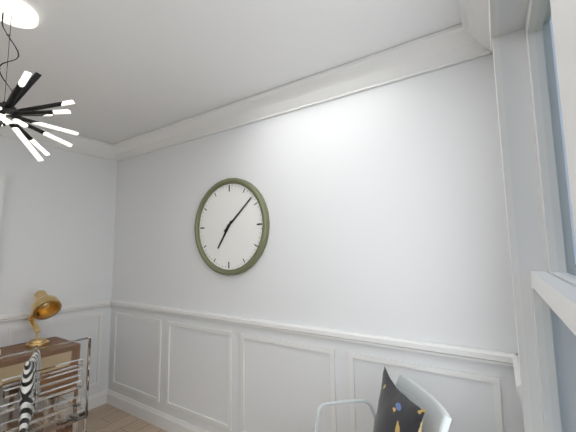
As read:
**7:08**
